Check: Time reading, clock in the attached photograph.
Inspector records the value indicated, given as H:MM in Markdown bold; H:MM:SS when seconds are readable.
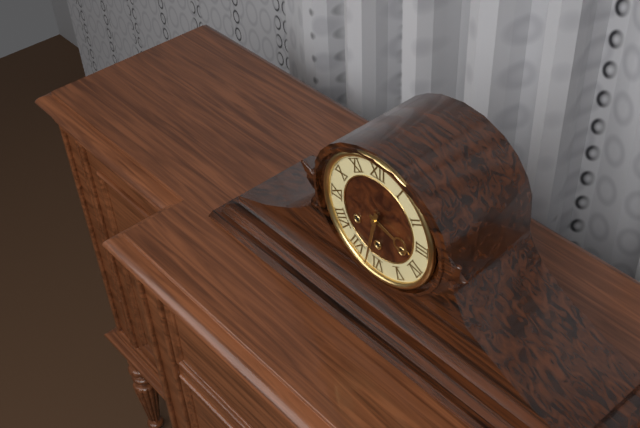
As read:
**3:32**
